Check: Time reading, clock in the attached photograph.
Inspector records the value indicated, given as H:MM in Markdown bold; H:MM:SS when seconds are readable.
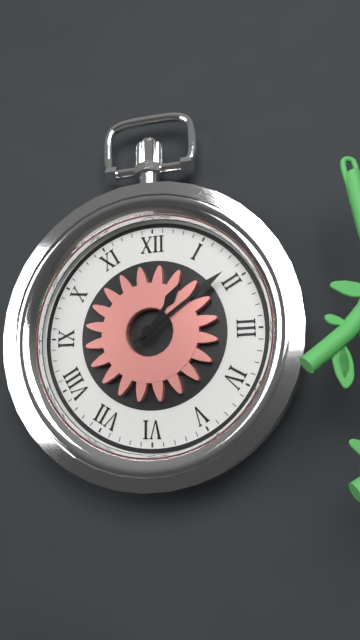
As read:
**1:09**
